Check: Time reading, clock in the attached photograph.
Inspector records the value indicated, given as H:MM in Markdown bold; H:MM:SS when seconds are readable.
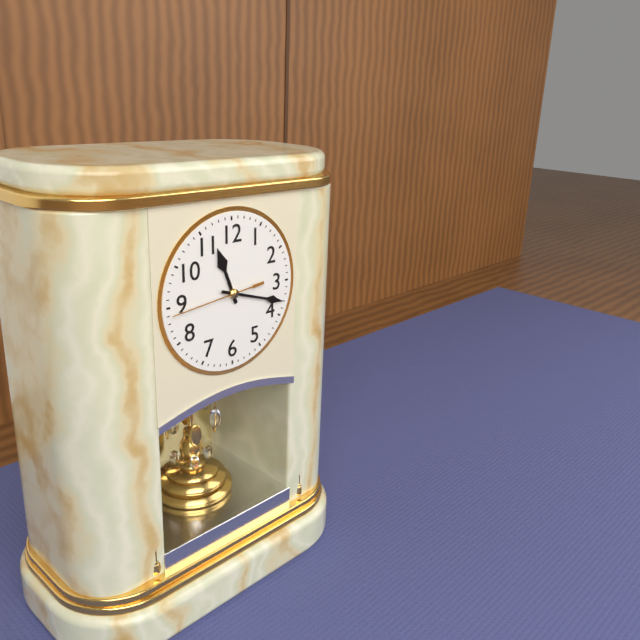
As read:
**11:18:44**
